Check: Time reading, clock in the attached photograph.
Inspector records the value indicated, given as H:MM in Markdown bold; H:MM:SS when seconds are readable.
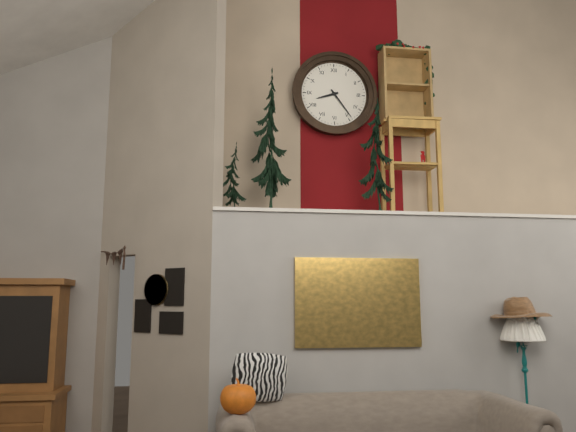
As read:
**8:24**
